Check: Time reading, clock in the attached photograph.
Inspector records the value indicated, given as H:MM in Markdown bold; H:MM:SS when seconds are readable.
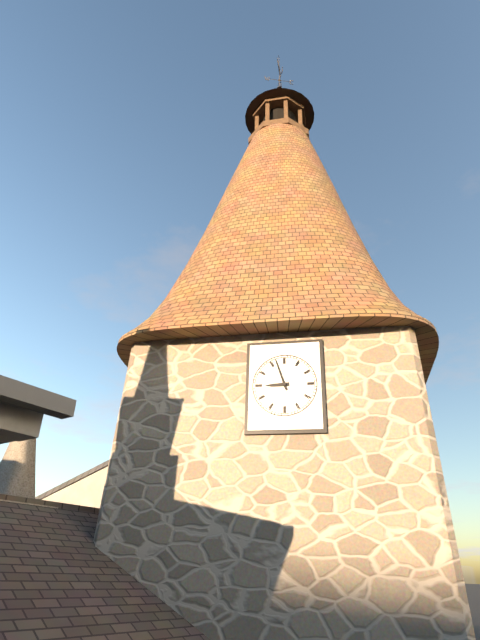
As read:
**8:57**
